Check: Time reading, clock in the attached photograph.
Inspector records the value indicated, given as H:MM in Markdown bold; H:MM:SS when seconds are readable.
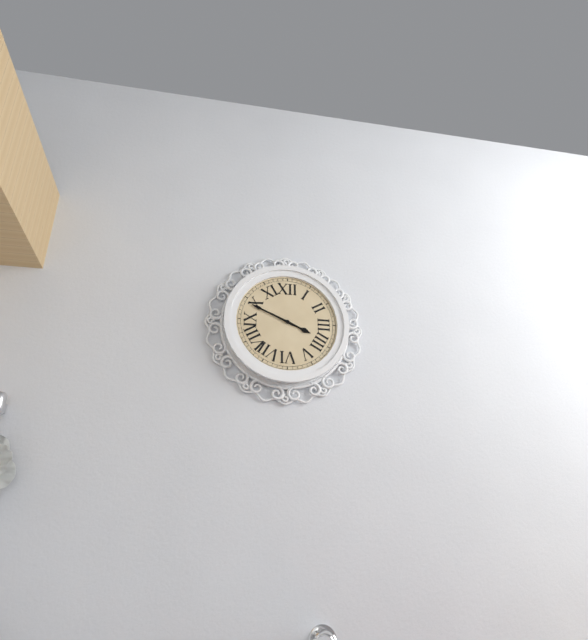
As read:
**3:49**
